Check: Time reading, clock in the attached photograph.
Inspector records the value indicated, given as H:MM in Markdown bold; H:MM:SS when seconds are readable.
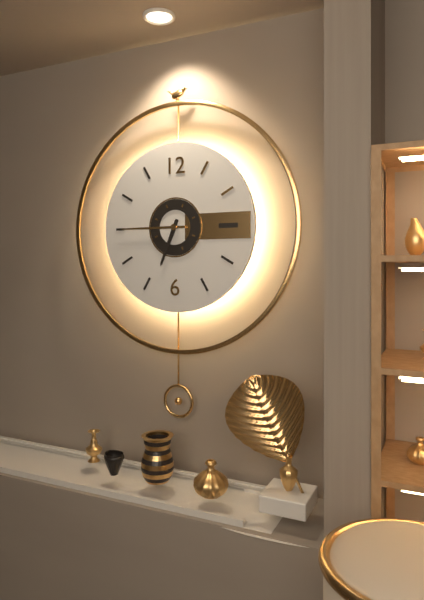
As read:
**6:45**
